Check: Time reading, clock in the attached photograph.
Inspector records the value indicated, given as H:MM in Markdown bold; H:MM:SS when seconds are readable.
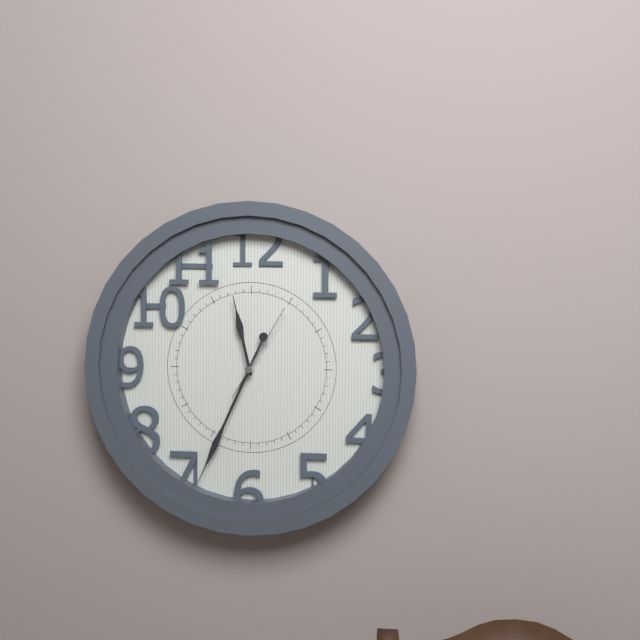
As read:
**11:34:05**
